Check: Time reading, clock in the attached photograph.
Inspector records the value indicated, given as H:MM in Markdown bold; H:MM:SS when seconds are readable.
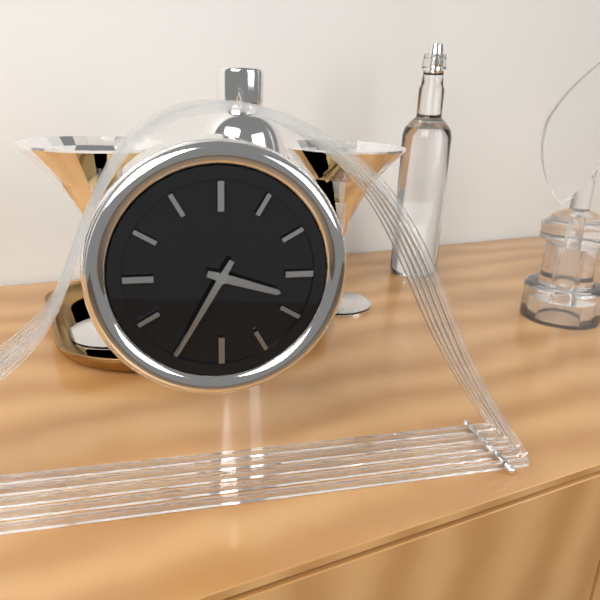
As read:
**3:35**
